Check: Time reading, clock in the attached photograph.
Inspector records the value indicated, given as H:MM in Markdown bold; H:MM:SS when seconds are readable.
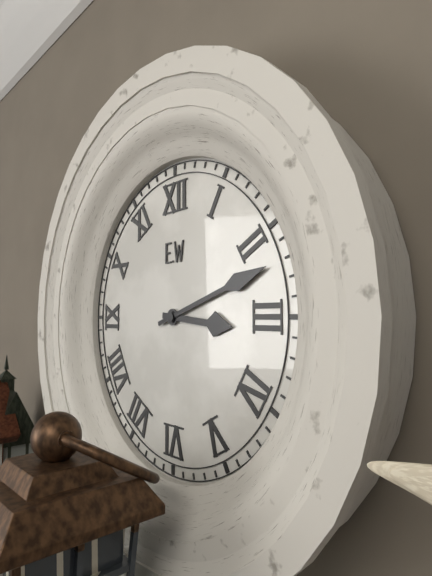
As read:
**3:12**
